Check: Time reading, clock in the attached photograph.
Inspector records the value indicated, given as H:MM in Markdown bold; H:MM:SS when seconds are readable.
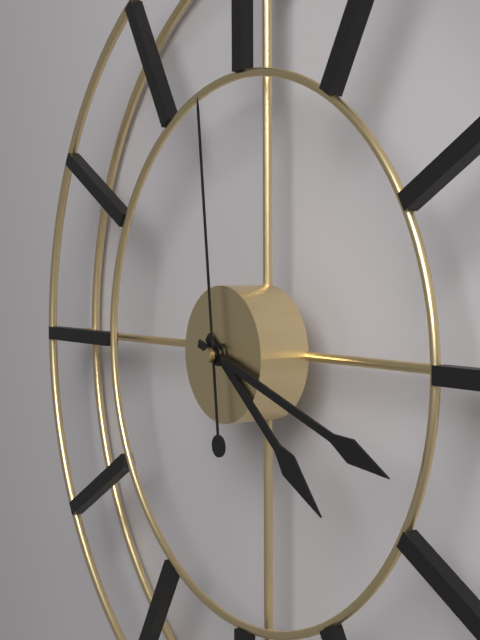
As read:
**4:18:59**
